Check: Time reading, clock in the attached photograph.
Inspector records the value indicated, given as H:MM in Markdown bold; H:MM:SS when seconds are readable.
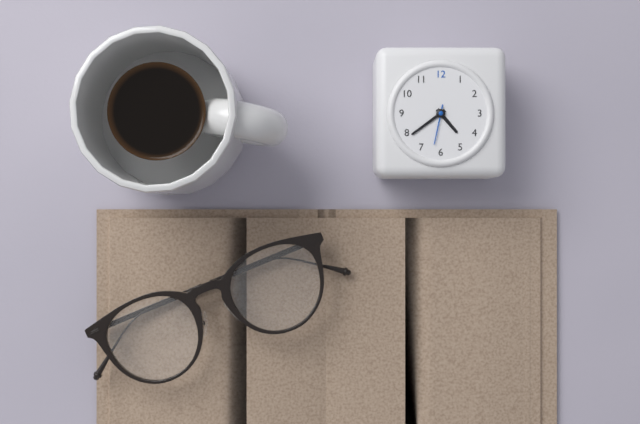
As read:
**4:39**
